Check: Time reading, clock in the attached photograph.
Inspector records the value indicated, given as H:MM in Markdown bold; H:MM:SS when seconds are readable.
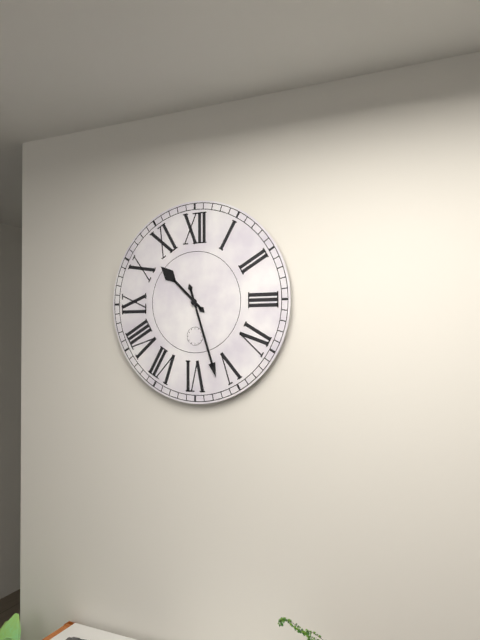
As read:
**10:27**
